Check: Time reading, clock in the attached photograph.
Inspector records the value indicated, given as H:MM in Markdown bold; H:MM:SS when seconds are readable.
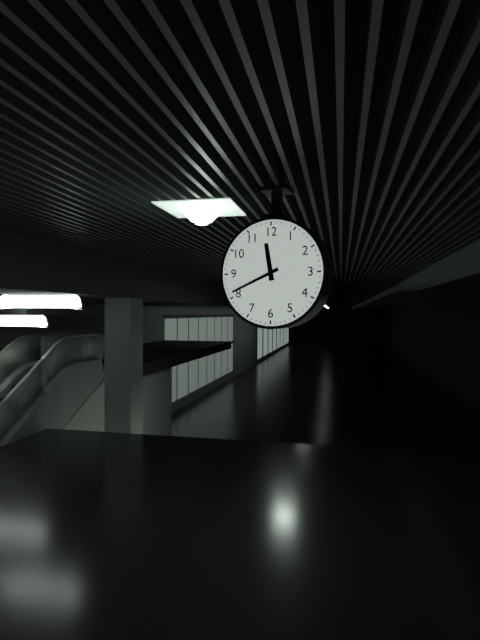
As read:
**11:41**
